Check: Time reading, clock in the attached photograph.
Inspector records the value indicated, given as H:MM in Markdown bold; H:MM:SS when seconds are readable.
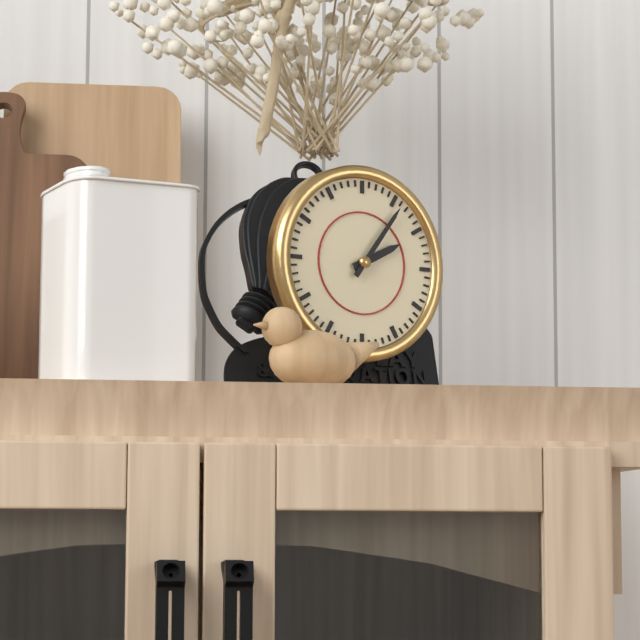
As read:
**2:06**
